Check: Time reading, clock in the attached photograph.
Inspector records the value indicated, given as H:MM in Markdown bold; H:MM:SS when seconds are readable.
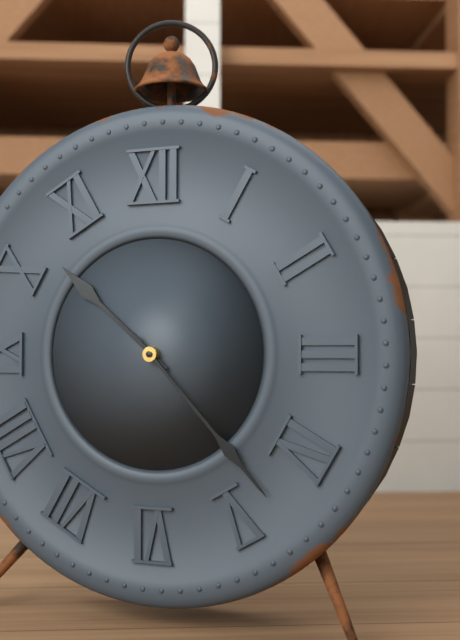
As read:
**10:23**
